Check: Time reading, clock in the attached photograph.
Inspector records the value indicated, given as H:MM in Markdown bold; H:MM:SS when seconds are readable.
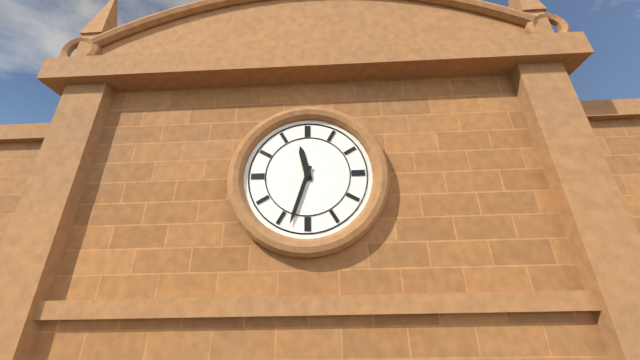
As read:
**11:33**
